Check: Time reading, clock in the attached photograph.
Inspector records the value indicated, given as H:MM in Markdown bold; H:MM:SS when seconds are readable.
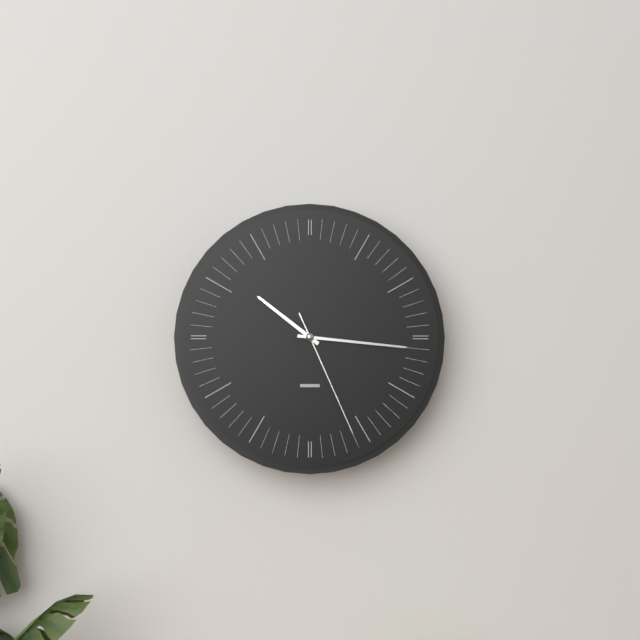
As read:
**10:16:26**
